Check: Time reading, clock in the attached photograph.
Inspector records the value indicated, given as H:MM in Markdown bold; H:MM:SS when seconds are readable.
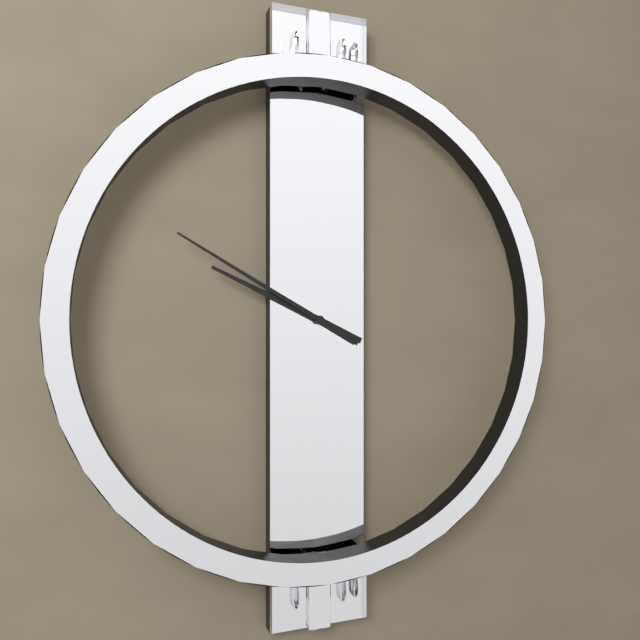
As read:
**9:50**
